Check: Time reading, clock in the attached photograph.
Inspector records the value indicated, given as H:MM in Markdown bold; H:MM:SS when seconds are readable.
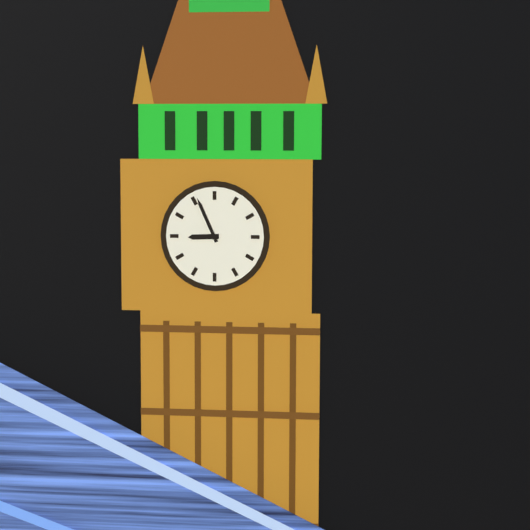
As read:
**8:56**
